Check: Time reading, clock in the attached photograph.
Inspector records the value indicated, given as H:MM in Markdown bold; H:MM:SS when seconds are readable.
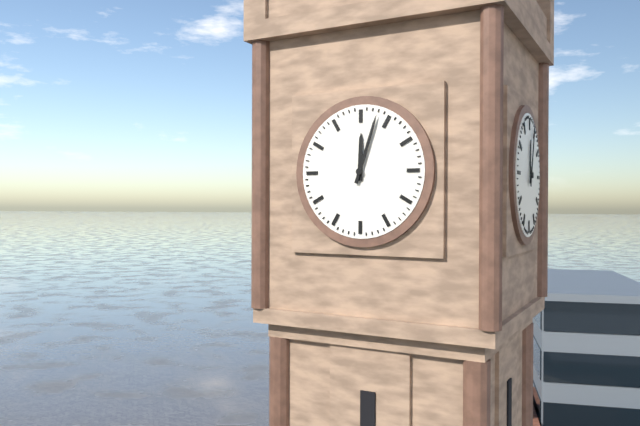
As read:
**12:03**
